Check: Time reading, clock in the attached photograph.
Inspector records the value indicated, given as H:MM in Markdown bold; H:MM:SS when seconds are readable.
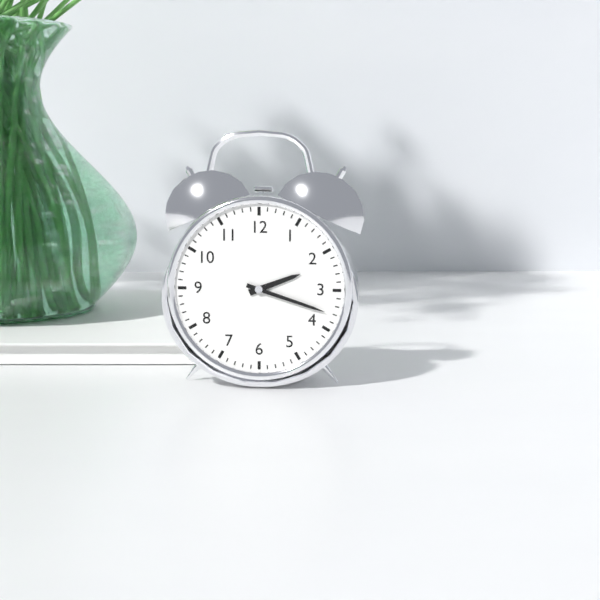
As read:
**2:18**
